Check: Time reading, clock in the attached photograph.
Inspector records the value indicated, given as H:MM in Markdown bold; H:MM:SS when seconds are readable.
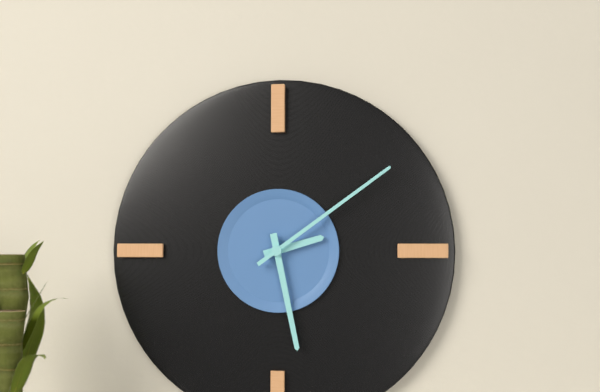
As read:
**2:28:09**
